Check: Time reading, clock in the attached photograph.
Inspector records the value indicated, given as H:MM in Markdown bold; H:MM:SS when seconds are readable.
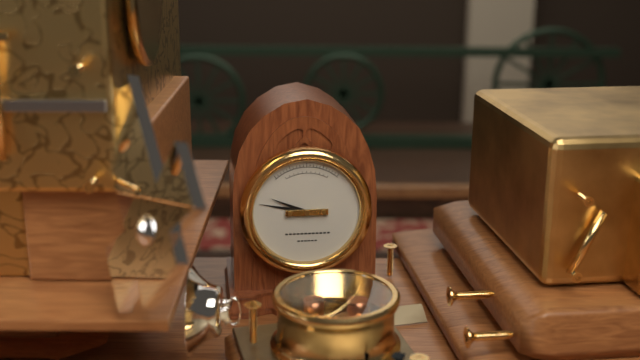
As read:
**9:47**
